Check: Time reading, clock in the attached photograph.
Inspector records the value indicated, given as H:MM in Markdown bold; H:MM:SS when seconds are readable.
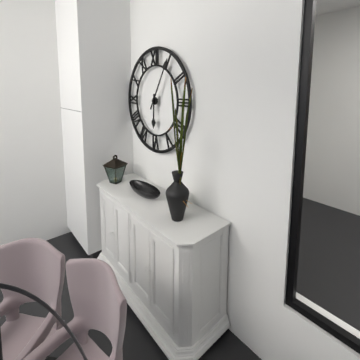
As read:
**6:05**
